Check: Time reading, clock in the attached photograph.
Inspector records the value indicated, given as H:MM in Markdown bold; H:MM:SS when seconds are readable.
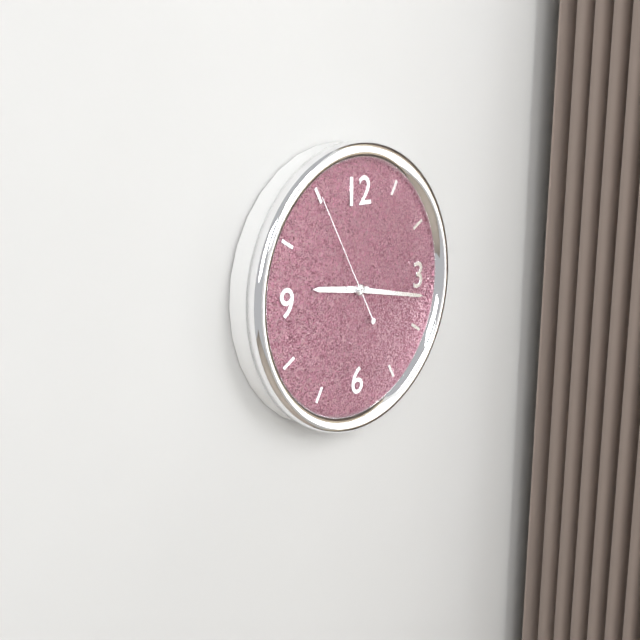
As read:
**9:17:55**
